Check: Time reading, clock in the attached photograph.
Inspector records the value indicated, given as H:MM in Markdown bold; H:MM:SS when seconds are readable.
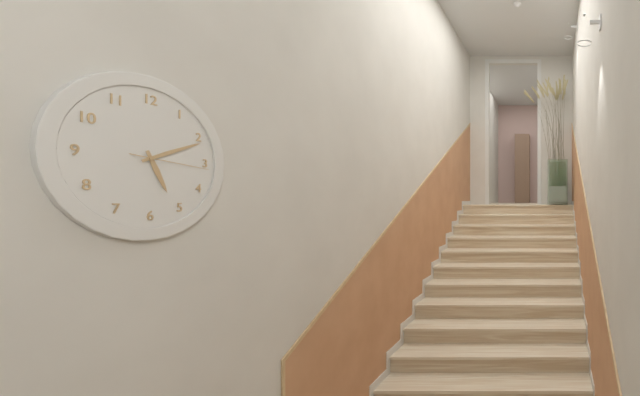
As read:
**5:11:16**
